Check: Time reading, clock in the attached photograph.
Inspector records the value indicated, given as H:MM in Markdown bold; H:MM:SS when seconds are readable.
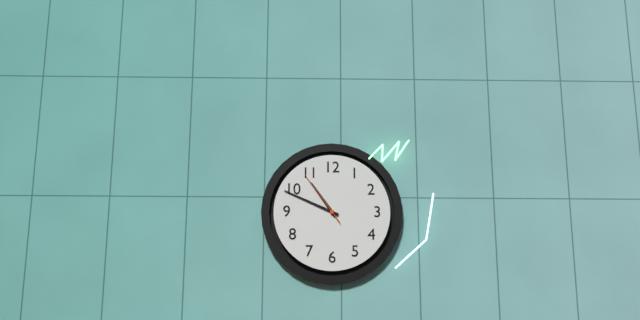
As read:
**10:49:54**
